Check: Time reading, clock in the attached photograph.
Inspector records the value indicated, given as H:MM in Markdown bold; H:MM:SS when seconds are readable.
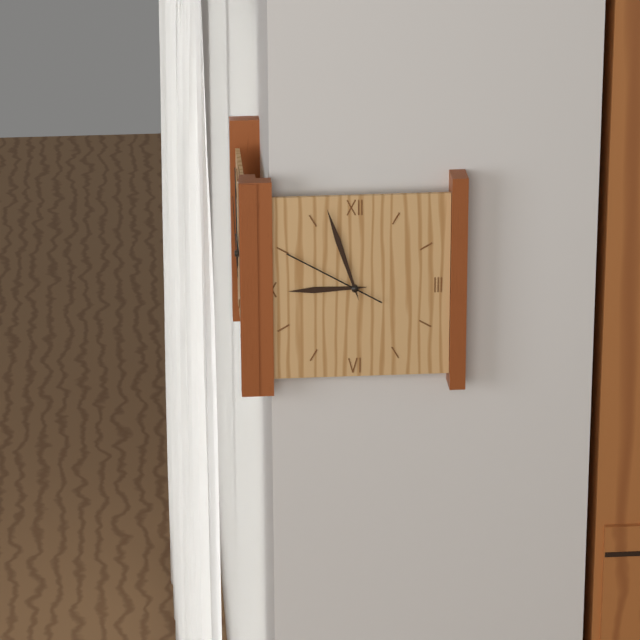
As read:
**8:57:50**
